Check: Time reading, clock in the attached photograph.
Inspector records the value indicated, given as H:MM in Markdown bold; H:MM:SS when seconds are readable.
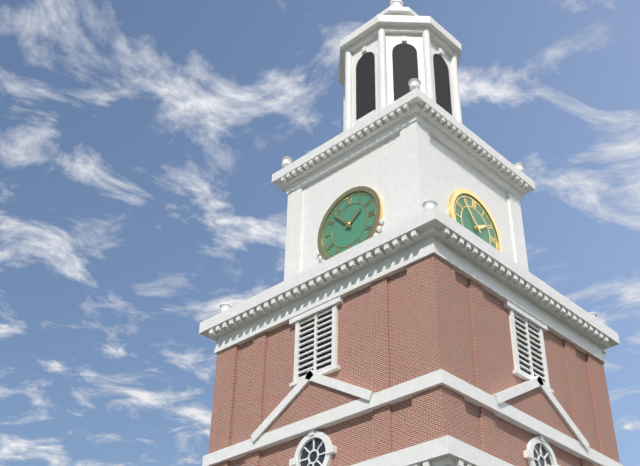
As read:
**1:53**
